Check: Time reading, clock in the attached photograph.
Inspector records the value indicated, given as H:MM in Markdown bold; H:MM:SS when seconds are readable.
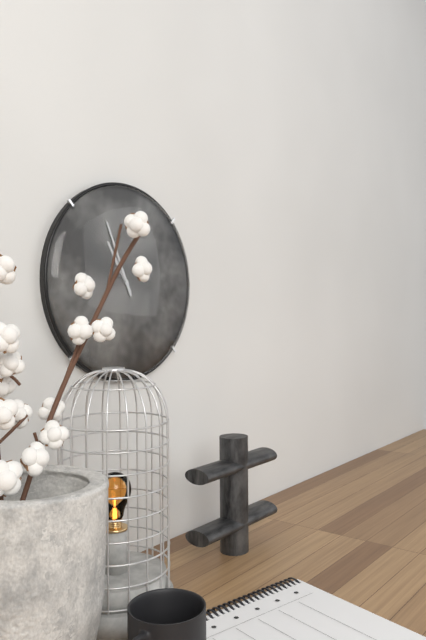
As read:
**10:56**
